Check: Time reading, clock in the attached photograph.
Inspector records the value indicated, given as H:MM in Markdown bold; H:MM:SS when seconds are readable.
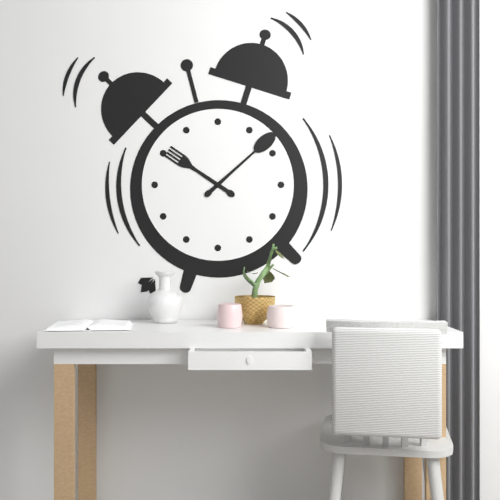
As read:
**10:08**
